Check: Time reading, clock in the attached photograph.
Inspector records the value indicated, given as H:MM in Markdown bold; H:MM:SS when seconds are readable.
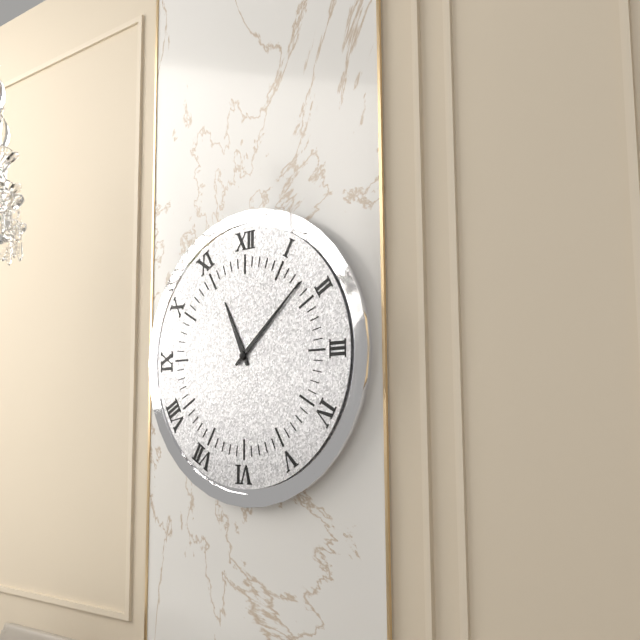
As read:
**11:08**
